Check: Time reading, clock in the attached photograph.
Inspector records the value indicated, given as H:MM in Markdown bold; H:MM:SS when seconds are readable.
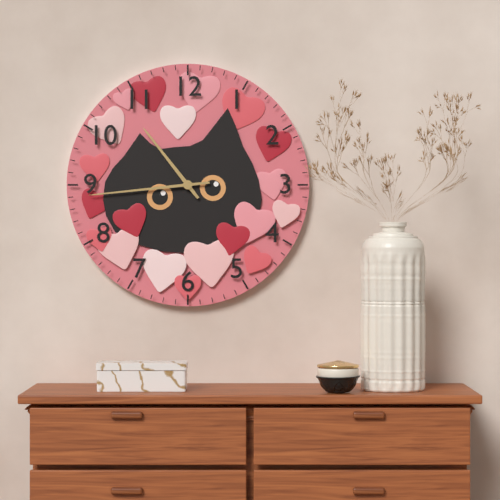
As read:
**10:44**
